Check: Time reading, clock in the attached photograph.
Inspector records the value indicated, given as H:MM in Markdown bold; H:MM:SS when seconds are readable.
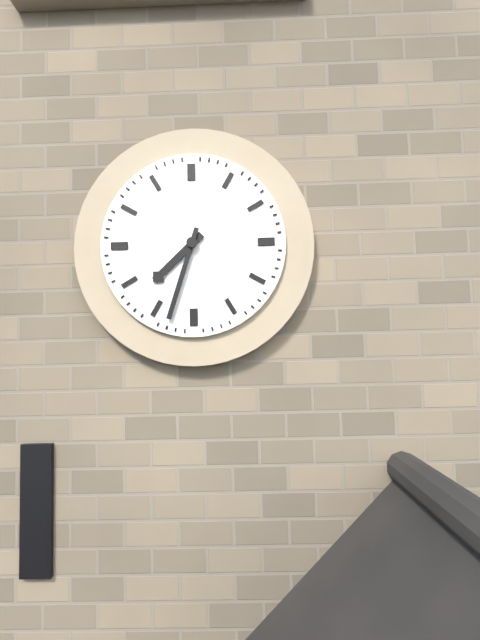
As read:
**7:33**
